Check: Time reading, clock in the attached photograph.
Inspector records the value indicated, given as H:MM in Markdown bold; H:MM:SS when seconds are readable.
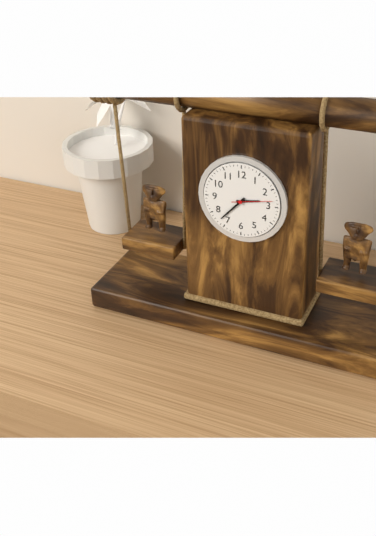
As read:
**2:37**
